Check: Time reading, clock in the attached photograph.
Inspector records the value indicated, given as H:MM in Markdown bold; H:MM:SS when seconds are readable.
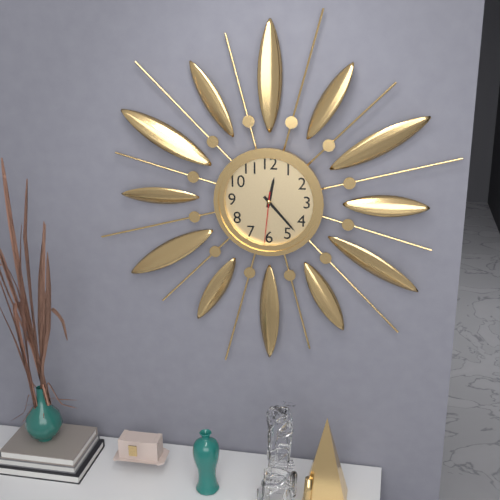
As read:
**12:23:31**
